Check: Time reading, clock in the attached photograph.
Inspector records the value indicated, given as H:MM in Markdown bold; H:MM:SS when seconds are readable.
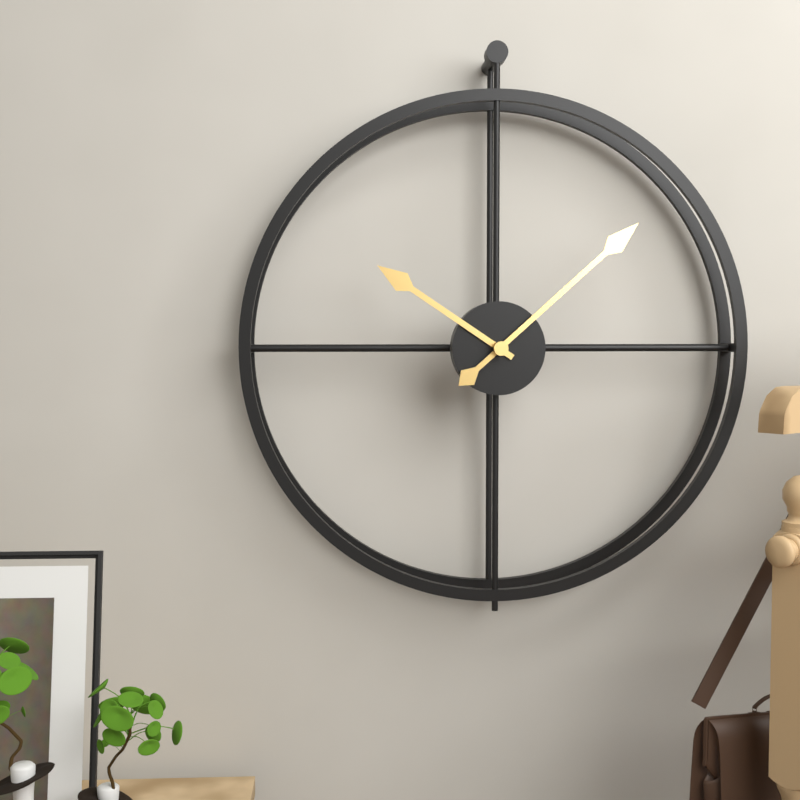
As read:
**10:08**
